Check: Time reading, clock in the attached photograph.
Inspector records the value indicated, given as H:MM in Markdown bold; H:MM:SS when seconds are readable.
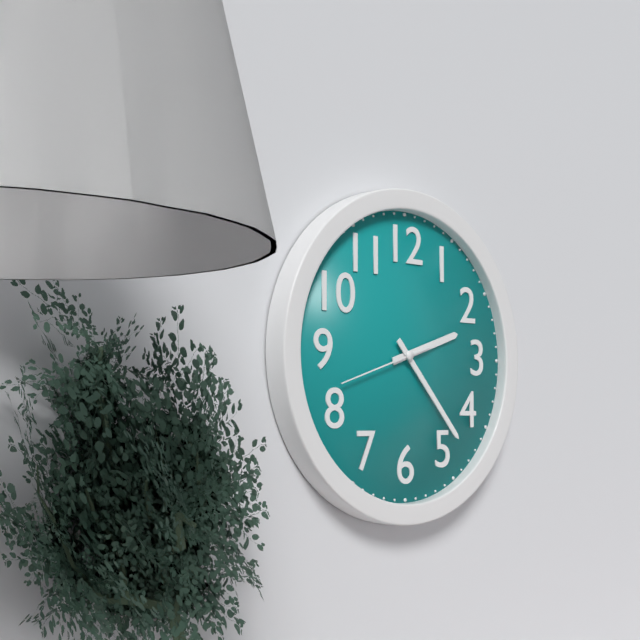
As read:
**2:23:42**
